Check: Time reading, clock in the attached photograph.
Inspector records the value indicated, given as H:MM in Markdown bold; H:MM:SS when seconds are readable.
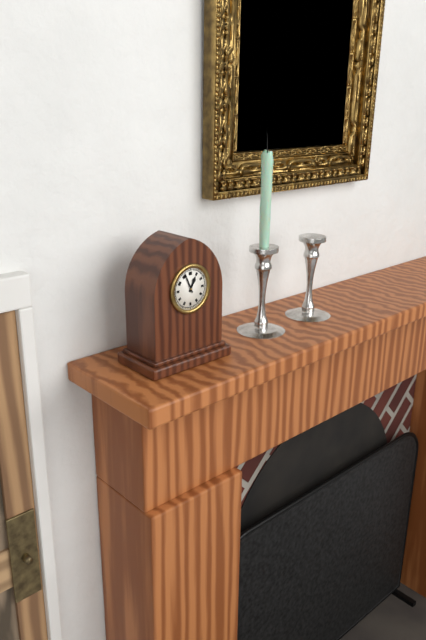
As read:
**12:56**
